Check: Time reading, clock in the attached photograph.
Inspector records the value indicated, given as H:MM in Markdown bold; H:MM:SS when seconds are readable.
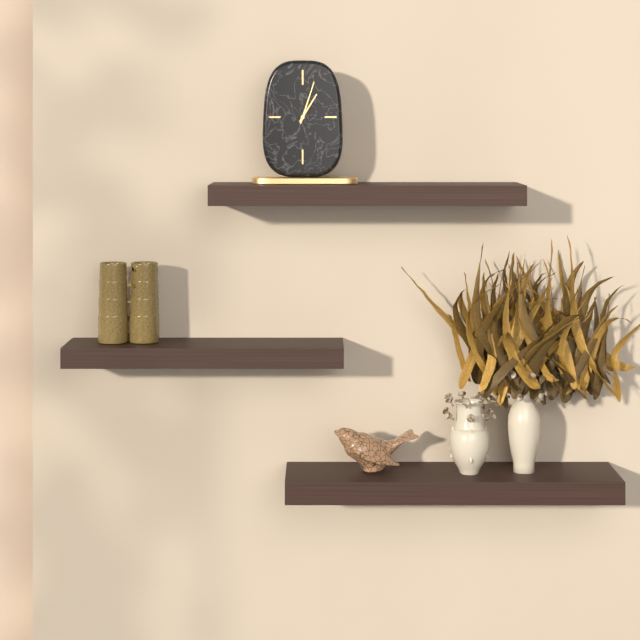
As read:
**1:03**
